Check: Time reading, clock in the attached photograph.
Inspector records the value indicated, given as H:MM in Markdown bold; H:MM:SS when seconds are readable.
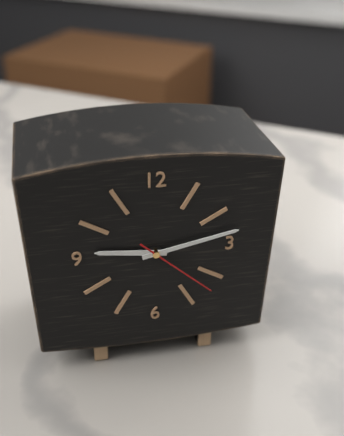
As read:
**9:13:22**
